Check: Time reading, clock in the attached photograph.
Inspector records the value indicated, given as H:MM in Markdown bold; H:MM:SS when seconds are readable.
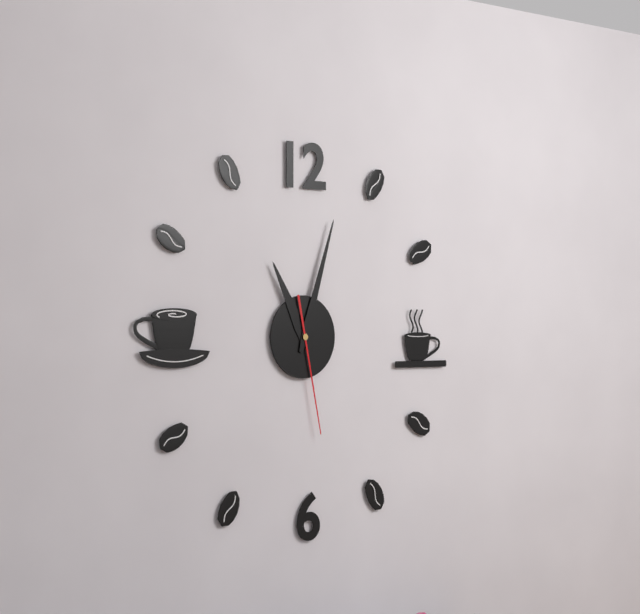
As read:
**11:03:28**
